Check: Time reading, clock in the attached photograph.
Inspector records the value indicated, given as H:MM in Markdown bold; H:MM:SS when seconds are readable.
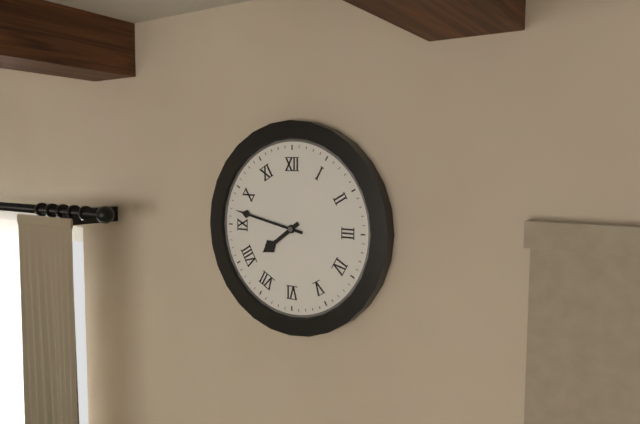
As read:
**7:47**
